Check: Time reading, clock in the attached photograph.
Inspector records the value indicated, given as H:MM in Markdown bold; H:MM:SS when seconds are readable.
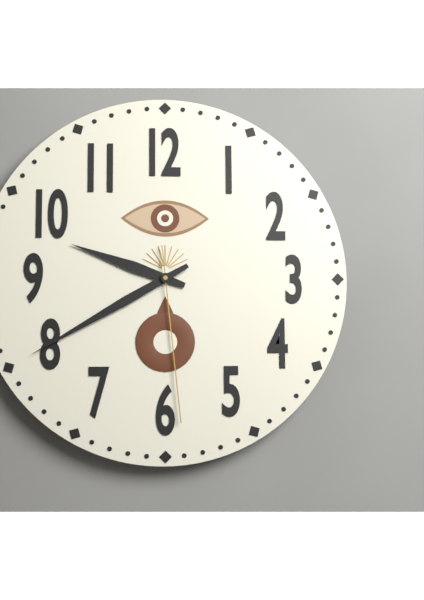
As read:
**9:40:29**
